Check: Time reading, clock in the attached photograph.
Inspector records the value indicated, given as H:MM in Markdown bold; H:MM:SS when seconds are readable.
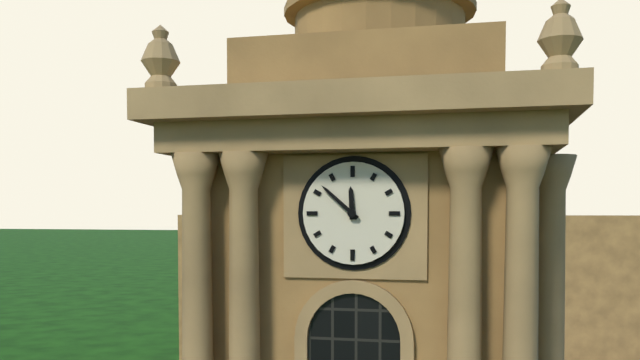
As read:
**11:52**
